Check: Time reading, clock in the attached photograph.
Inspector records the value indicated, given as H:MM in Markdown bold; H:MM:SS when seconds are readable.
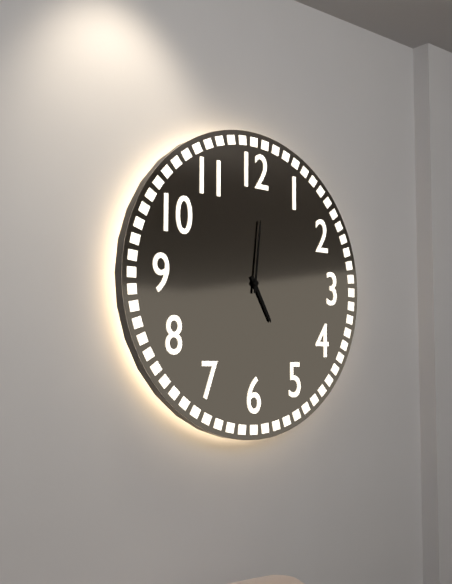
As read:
**5:01**
